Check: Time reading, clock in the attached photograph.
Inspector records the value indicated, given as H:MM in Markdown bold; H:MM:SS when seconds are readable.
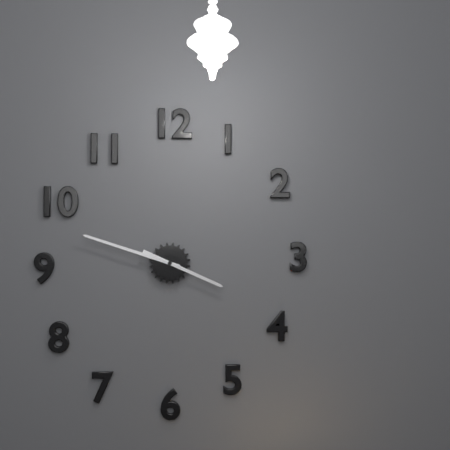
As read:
**3:48**
